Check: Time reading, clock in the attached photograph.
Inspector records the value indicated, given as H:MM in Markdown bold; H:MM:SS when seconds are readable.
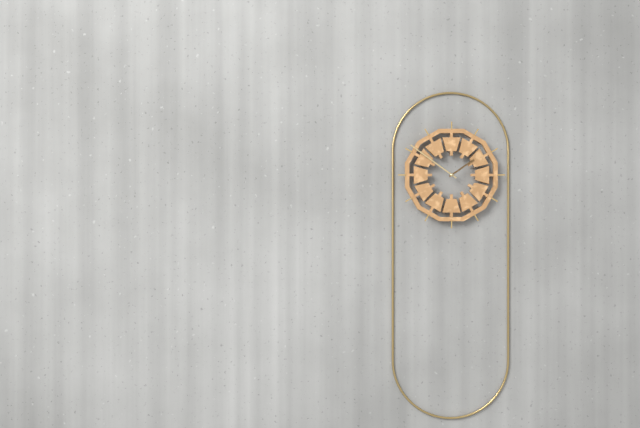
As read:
**1:51**
